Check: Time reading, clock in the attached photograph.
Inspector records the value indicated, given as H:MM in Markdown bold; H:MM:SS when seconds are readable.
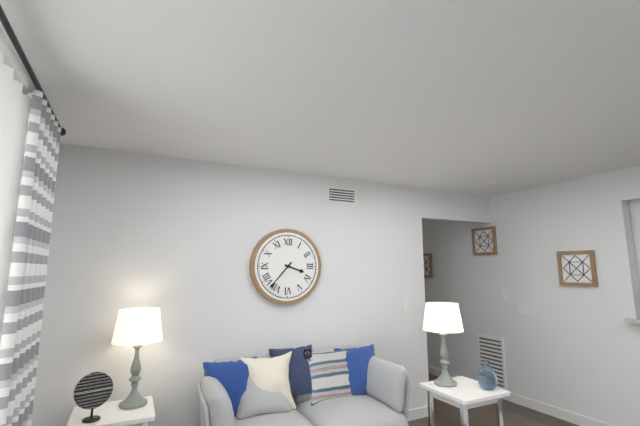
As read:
**3:37**
